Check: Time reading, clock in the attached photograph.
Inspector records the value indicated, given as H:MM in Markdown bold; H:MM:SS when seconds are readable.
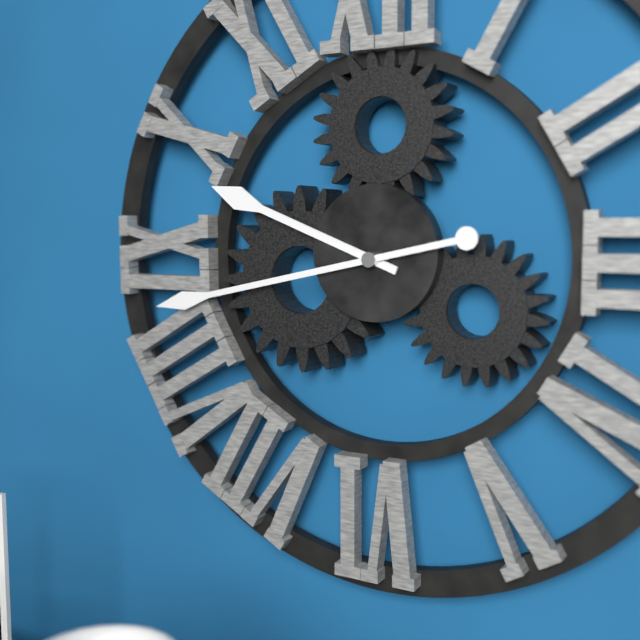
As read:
**9:43**
